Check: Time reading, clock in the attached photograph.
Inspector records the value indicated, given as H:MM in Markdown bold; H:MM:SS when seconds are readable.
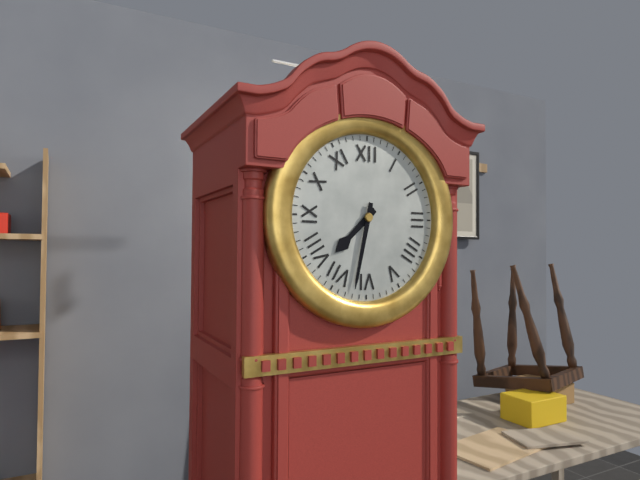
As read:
**7:32**
